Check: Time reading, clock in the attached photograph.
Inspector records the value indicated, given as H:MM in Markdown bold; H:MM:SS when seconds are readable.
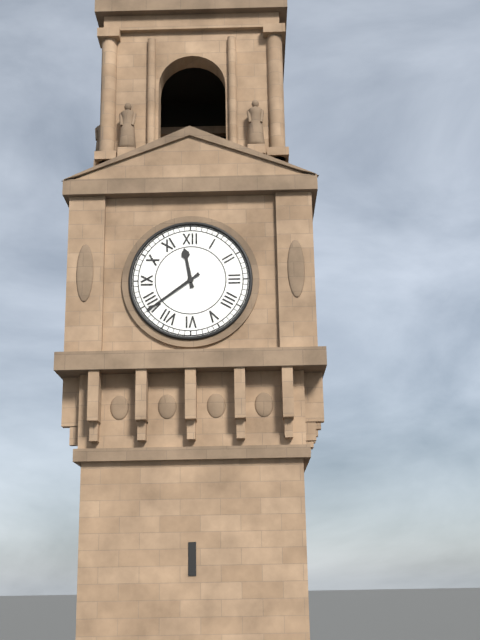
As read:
**11:39**
